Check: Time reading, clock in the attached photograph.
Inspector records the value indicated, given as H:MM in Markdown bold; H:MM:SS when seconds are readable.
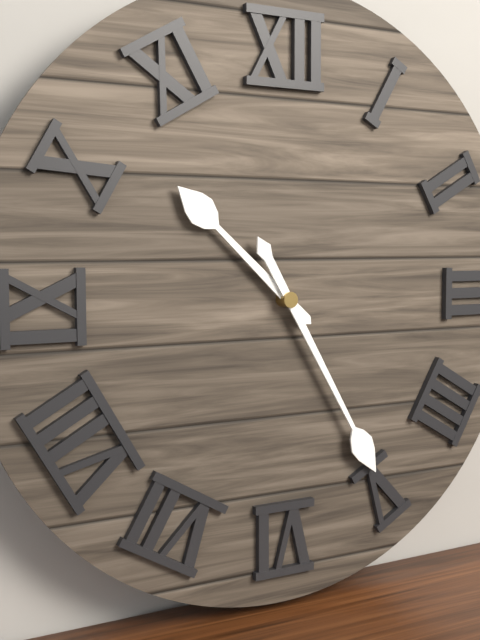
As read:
**10:25**
